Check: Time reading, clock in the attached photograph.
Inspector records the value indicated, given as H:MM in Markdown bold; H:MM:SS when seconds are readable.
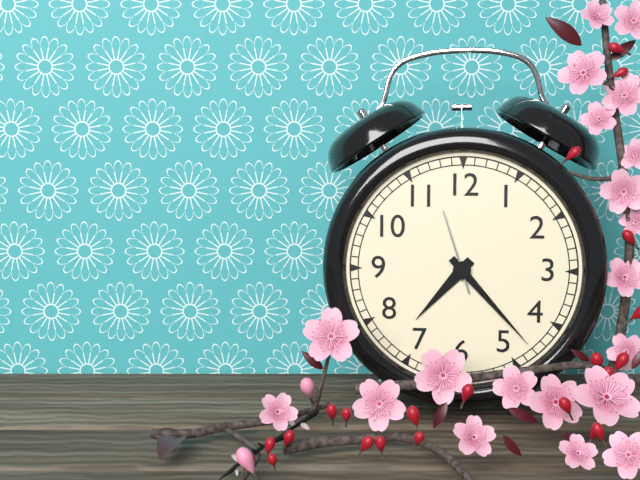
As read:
**7:23:57**
